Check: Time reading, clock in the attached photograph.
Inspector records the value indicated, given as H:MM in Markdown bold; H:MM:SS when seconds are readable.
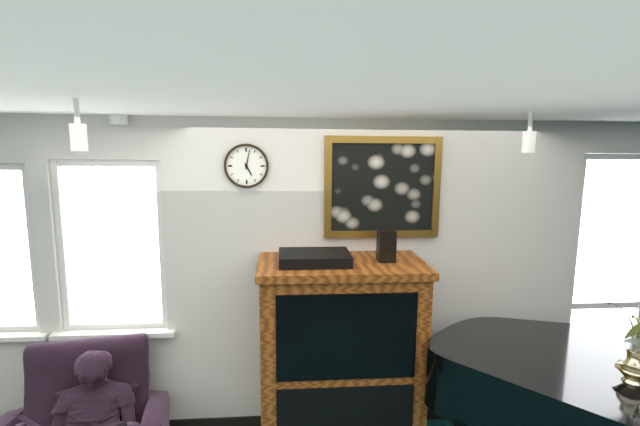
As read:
**5:02**
